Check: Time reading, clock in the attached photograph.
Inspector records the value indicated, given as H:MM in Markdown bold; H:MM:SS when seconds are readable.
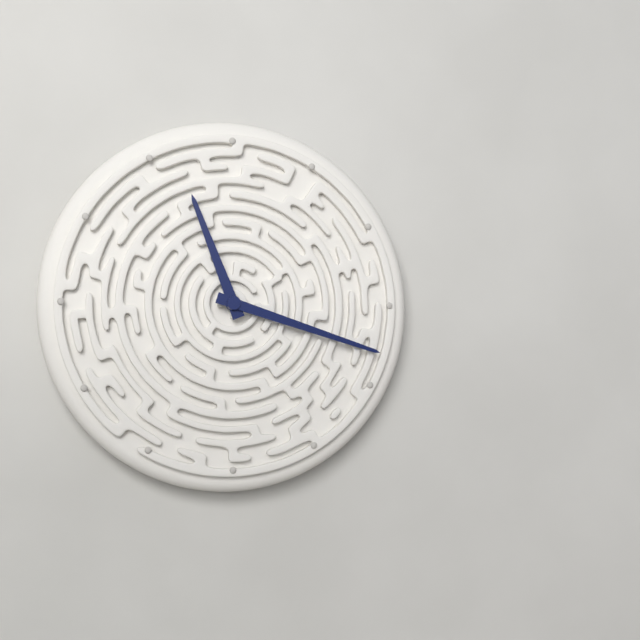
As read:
**11:18**
